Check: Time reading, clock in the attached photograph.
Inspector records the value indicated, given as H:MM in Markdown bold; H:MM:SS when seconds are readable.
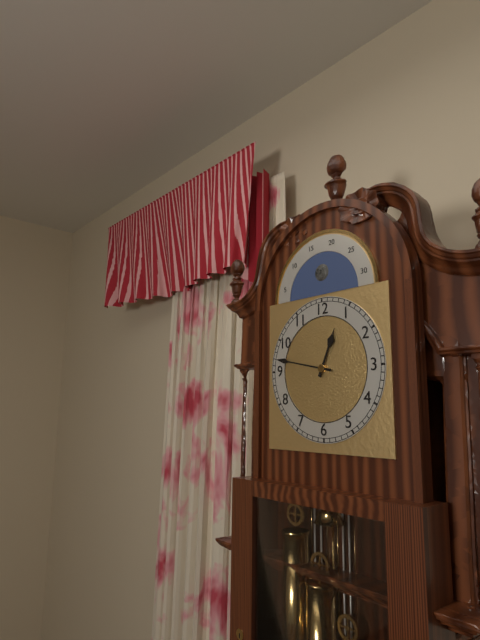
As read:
**12:47**
